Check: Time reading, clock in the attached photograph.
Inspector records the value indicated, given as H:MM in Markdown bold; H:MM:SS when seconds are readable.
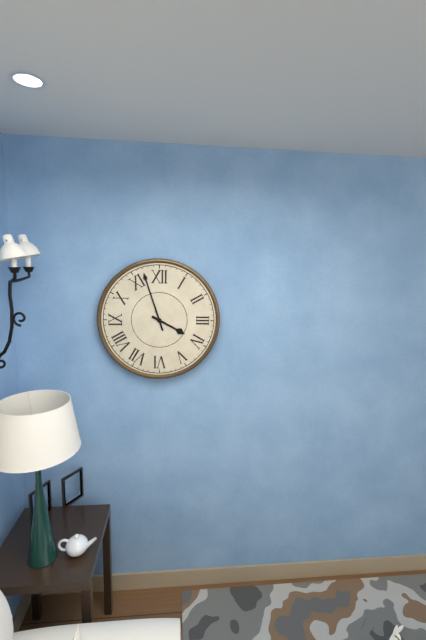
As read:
**3:57**
